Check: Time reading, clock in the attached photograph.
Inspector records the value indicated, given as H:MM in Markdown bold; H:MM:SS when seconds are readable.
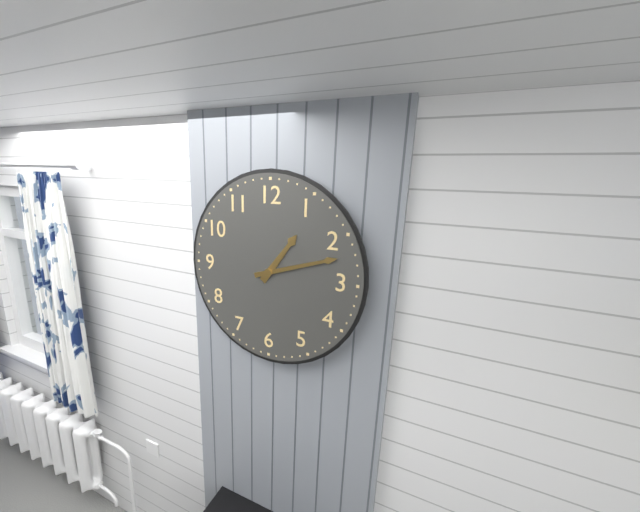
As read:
**1:12**
